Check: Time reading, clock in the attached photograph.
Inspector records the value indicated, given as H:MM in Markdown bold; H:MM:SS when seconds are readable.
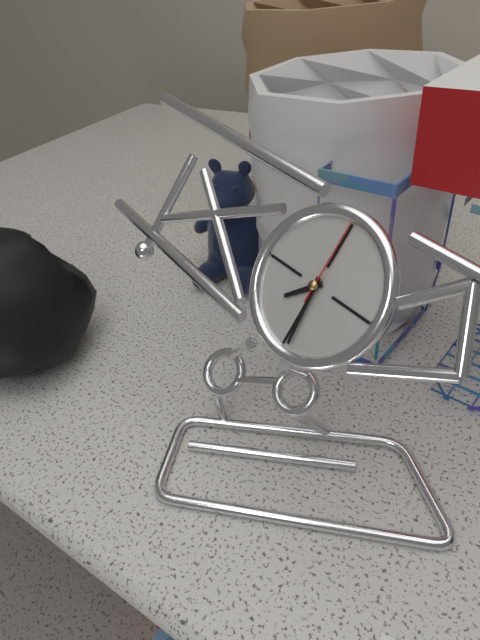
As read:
**7:29:00**
